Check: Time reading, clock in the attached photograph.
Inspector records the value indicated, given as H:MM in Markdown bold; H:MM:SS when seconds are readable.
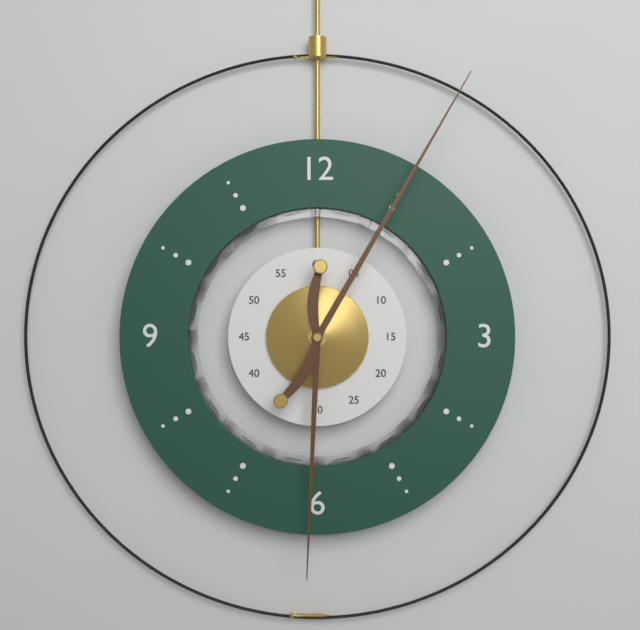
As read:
**6:05**
